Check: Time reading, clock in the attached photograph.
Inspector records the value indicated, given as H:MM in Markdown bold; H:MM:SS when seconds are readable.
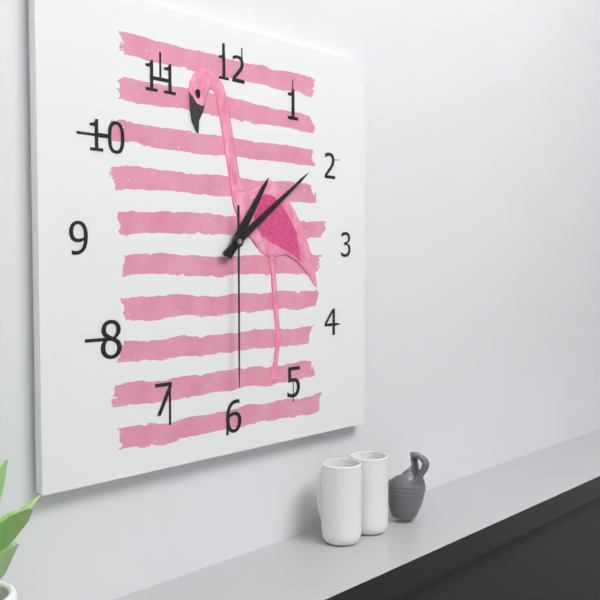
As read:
**1:09:30**
